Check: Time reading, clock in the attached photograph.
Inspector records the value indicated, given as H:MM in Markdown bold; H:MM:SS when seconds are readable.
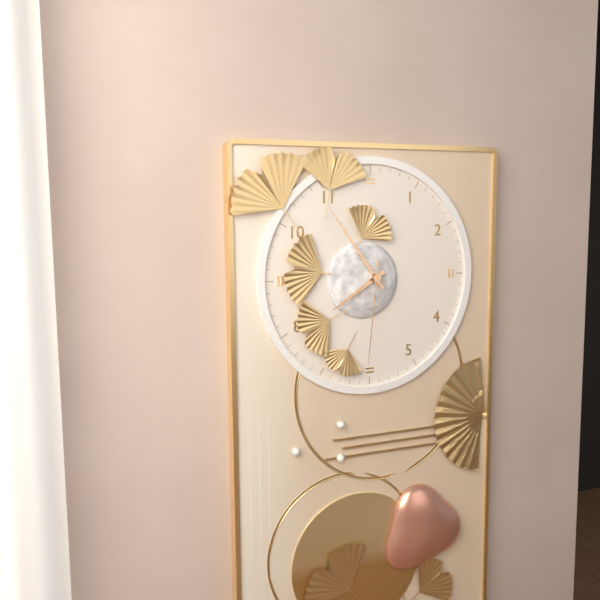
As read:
**7:54:31**
